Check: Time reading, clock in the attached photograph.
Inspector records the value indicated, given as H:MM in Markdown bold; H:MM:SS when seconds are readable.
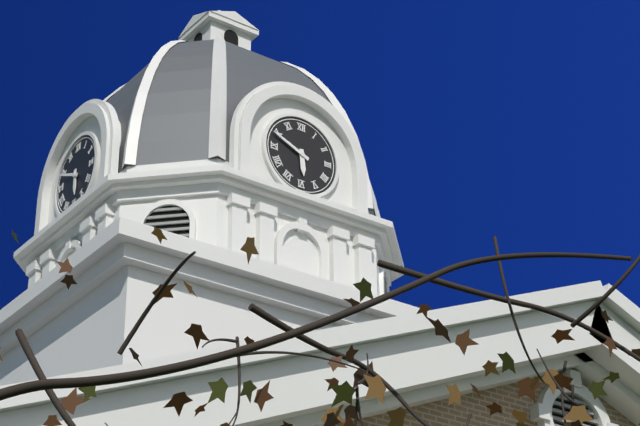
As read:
**5:49**
